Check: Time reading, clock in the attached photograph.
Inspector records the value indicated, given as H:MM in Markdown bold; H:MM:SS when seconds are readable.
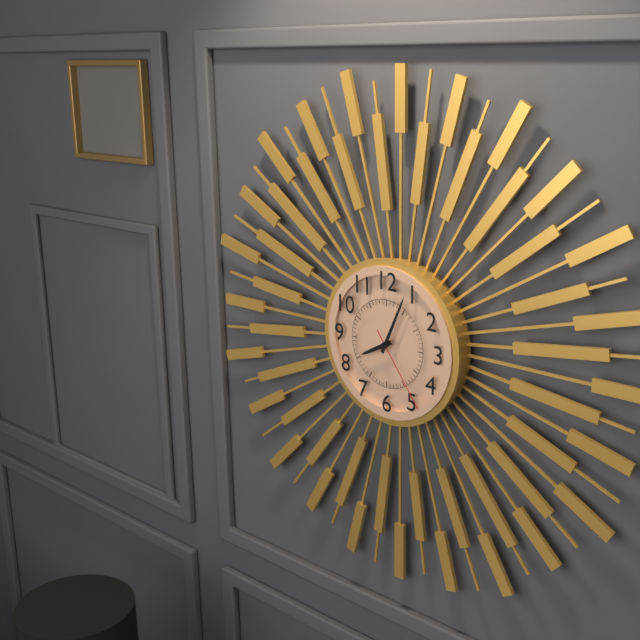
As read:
**8:04:24**
